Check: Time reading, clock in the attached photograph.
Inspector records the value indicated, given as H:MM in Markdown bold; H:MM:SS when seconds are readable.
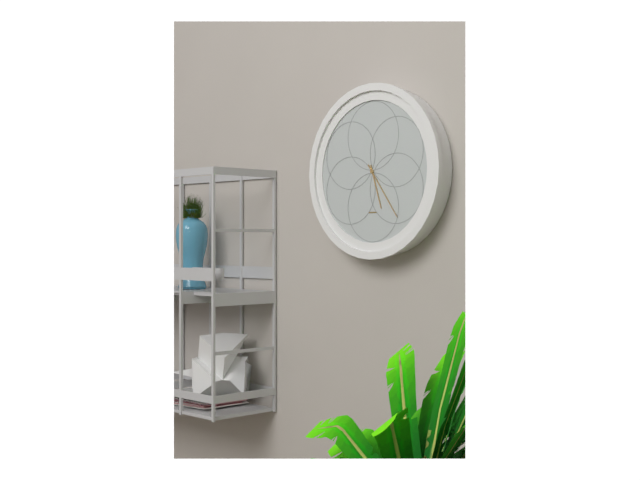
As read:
**5:24**
